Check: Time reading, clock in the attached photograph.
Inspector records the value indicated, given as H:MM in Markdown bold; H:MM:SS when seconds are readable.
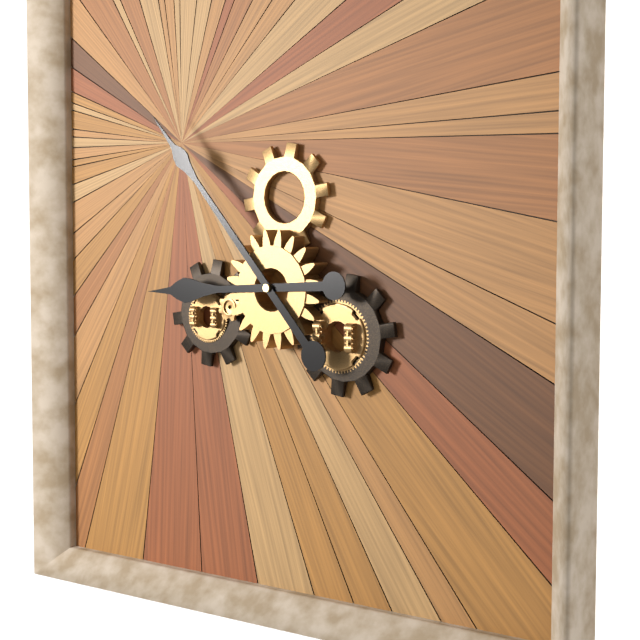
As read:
**8:53**
